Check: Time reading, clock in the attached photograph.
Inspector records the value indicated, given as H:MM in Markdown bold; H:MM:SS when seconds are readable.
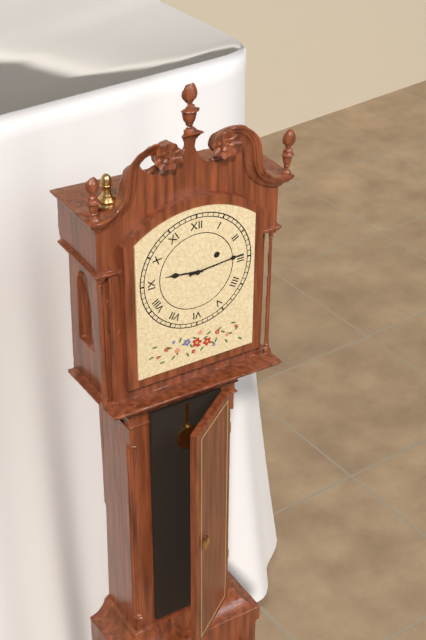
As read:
**9:14**
